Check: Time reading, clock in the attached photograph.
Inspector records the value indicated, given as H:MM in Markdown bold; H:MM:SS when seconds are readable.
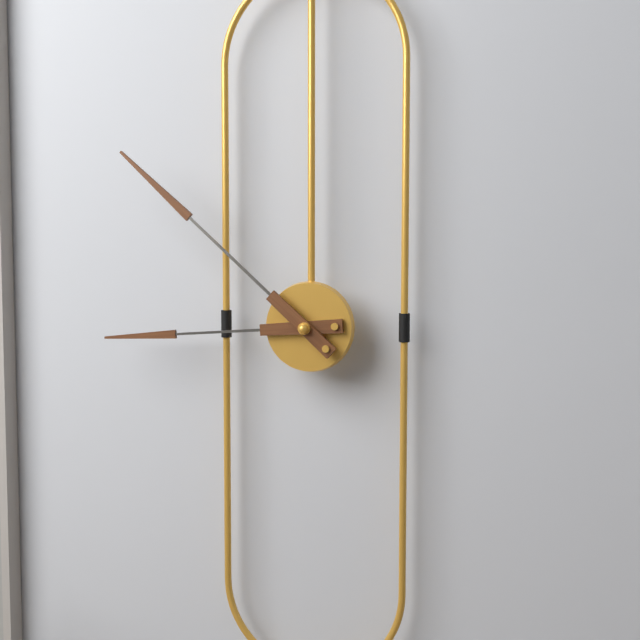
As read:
**8:52**
